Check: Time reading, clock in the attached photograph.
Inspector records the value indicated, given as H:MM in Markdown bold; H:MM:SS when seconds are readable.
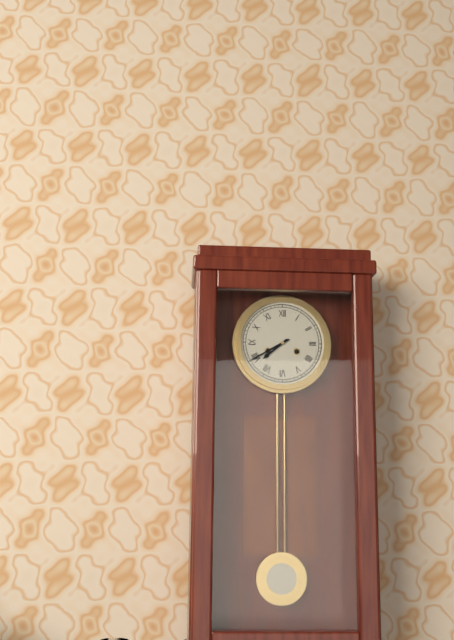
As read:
**7:40**
